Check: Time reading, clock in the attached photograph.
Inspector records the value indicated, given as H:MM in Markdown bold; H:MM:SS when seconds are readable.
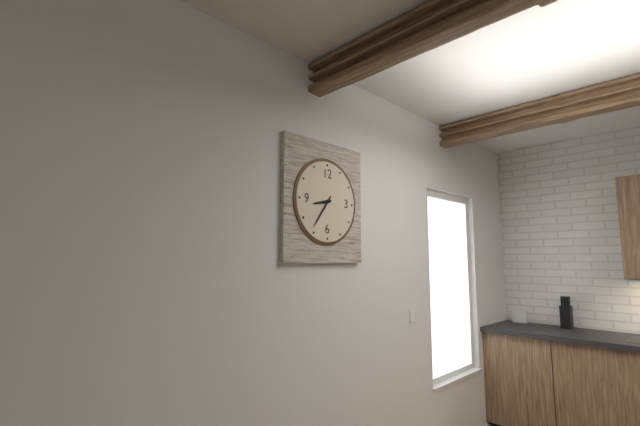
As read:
**8:36**
